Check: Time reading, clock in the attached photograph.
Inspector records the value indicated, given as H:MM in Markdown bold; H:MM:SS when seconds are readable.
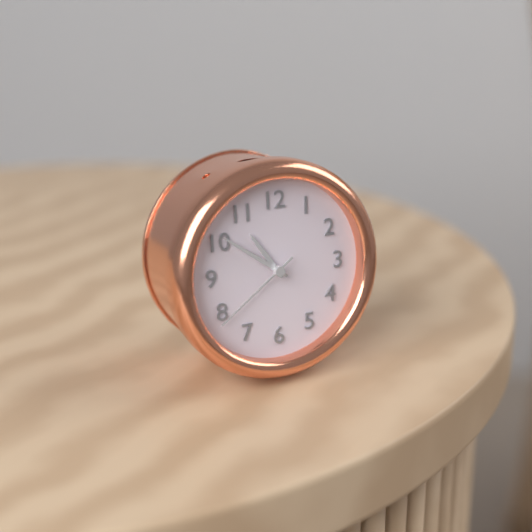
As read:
**10:51:39**
